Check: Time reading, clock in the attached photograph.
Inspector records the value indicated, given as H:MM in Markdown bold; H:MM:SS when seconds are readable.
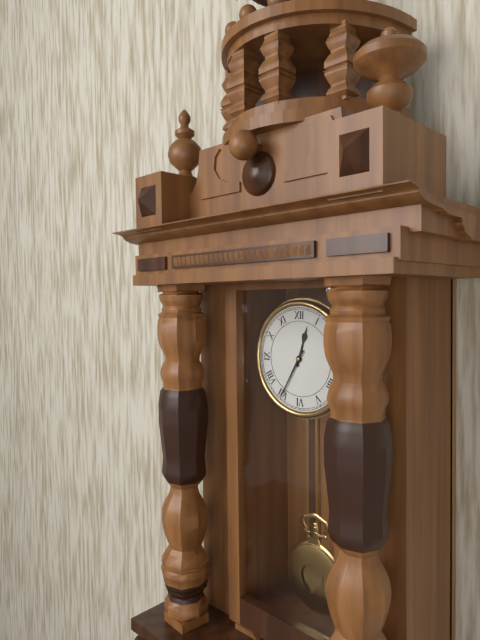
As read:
**12:35**
